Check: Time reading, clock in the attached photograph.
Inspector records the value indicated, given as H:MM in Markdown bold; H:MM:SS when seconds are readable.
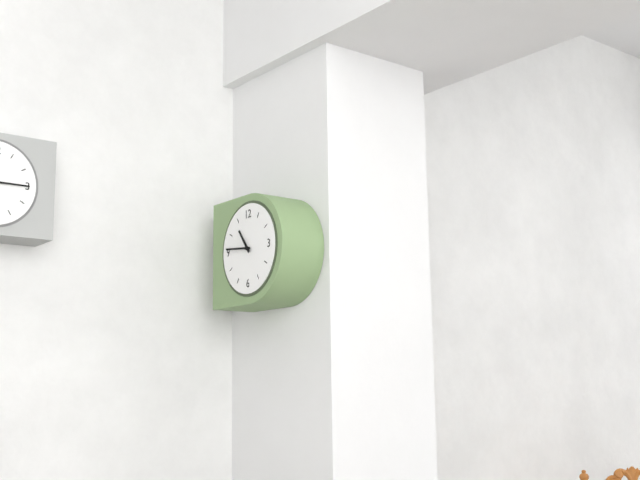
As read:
**10:46**
